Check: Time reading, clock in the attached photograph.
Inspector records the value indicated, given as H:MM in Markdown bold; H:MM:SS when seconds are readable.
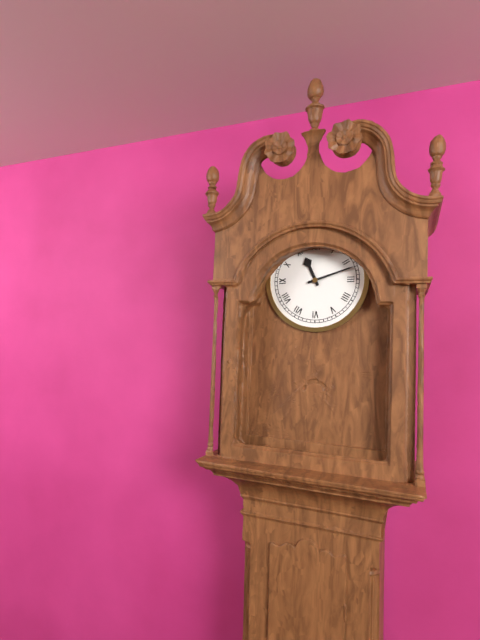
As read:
**11:12**
